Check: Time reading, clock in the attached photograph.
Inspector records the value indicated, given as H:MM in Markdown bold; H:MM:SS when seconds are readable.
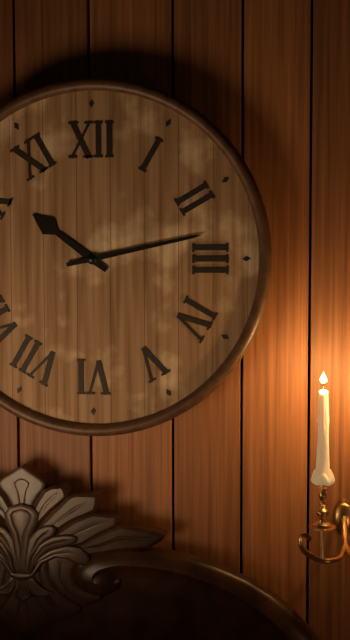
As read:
**10:13**
